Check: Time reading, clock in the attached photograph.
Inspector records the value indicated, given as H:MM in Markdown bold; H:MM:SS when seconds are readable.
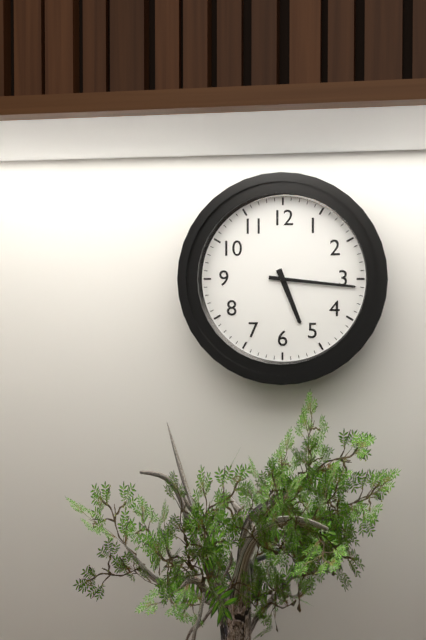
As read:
**5:16**
